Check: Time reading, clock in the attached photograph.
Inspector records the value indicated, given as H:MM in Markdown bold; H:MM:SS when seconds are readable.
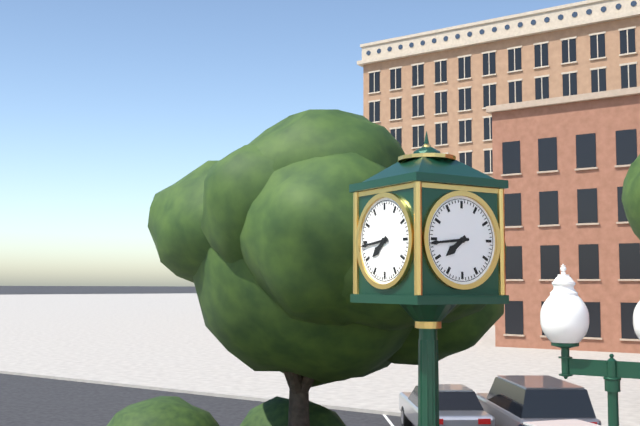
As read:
**7:44**
